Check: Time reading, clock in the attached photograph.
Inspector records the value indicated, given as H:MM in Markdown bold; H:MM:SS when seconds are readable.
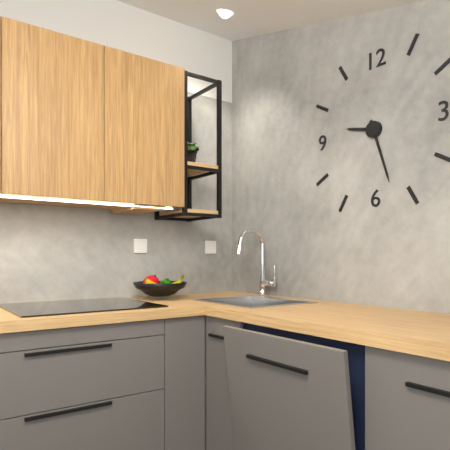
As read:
**9:27**
